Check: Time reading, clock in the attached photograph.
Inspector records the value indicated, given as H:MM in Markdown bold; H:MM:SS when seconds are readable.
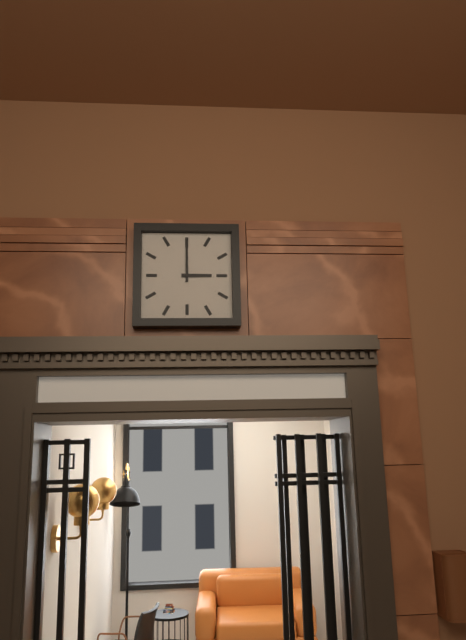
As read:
**3:00**
